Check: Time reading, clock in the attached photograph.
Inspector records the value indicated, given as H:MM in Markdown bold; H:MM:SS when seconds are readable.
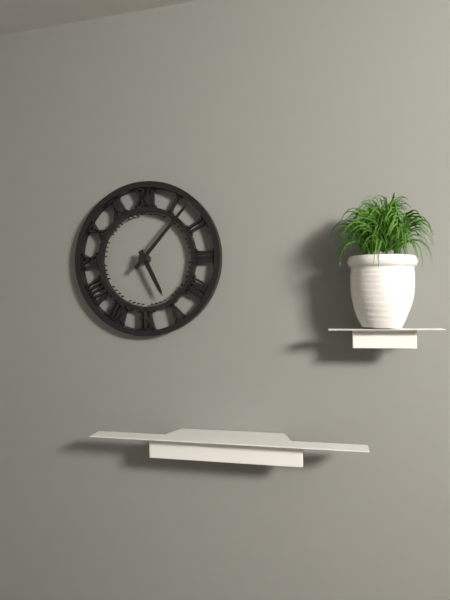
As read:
**5:07**
